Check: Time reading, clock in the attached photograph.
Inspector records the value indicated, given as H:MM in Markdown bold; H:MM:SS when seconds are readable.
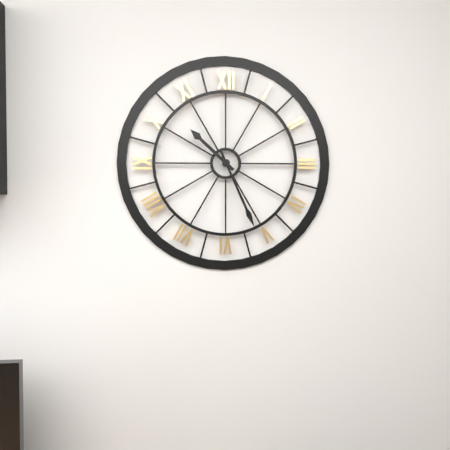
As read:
**10:26**
